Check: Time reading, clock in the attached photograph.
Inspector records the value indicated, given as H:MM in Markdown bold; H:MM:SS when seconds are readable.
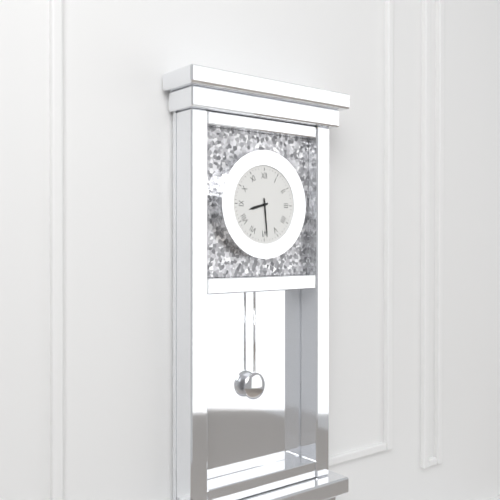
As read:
**8:29**
